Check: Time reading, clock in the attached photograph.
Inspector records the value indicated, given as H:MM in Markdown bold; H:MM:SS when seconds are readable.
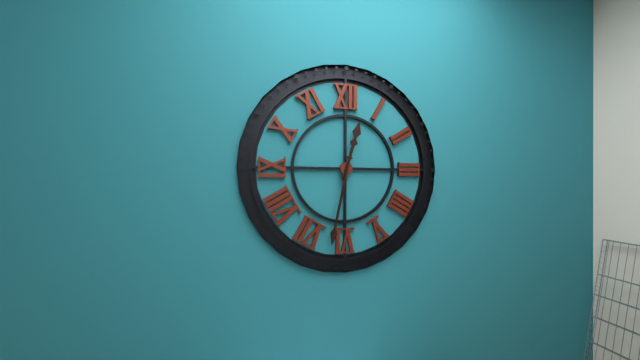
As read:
**12:32**
